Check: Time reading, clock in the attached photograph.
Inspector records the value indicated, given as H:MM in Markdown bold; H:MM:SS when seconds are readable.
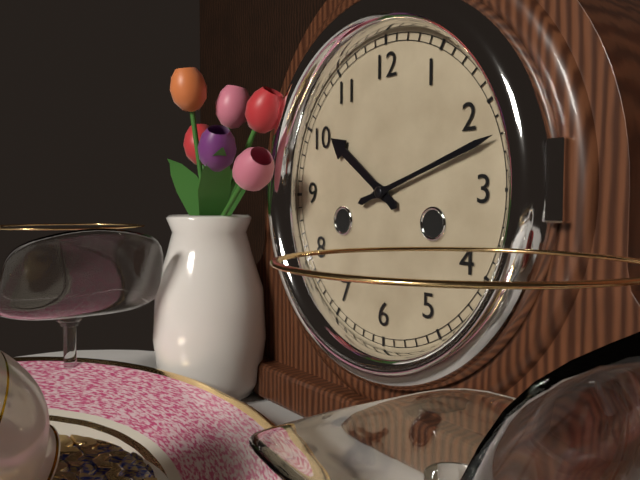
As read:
**10:12**
